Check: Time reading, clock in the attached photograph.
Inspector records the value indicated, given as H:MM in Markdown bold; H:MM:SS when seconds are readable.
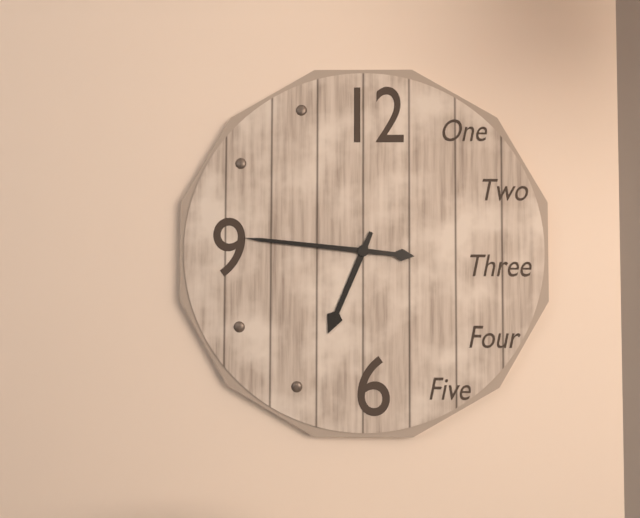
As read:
**6:46**
